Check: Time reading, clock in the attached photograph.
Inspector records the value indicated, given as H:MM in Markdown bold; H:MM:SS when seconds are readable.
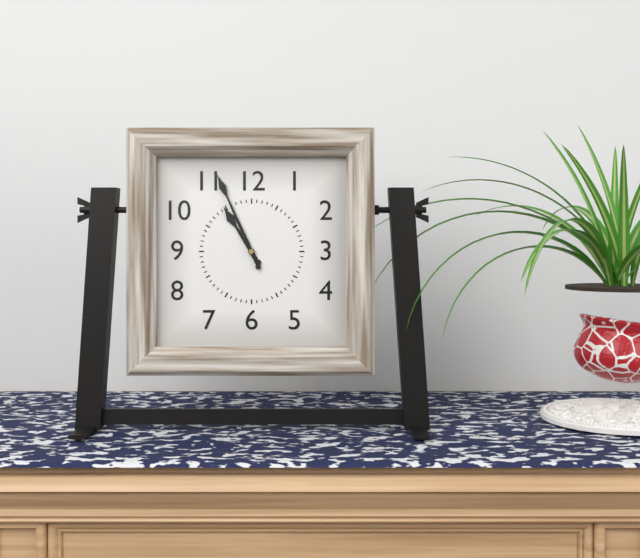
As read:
**10:56**
